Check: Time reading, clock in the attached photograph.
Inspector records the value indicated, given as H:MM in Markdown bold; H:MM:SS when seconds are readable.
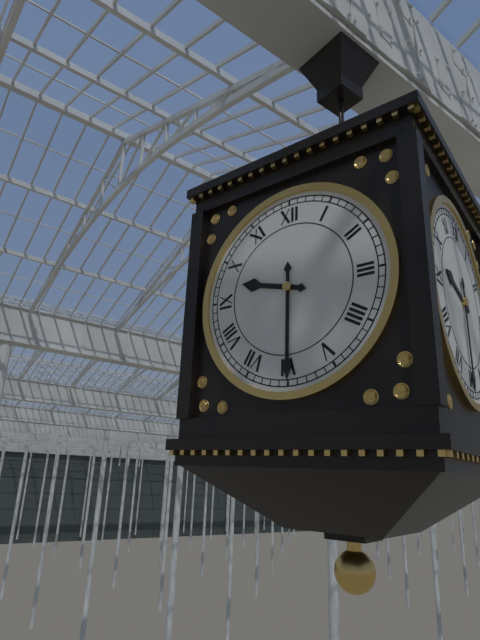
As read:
**9:30**
